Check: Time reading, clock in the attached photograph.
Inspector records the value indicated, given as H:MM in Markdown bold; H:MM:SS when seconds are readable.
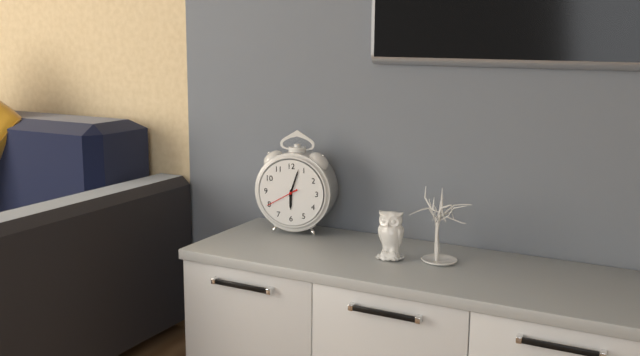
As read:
**6:03**
